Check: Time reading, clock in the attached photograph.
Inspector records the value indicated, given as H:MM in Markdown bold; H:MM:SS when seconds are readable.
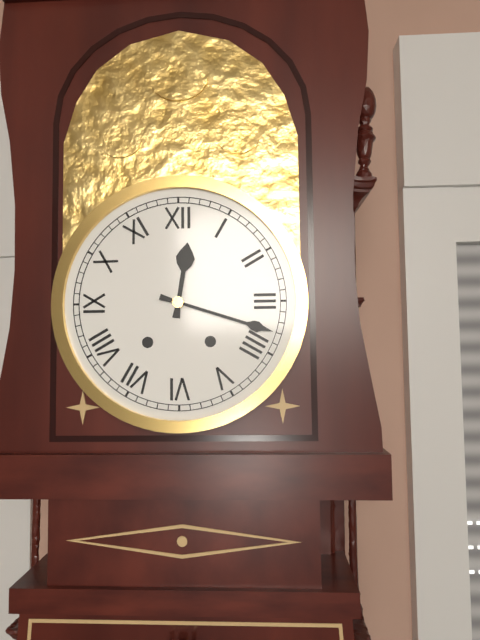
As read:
**12:18**
